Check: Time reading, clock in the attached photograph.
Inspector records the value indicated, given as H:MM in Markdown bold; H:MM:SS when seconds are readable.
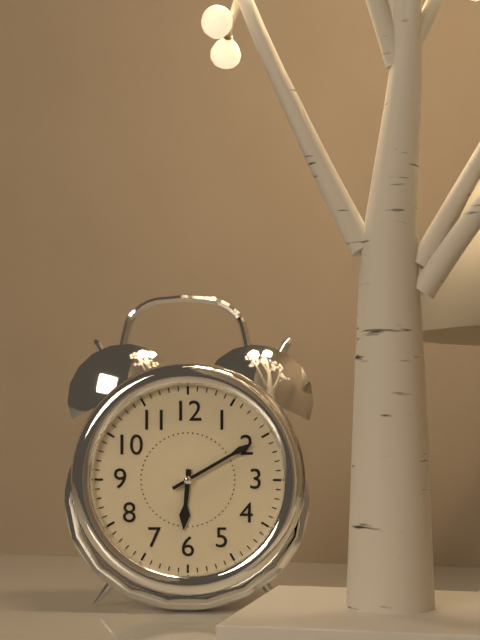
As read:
**6:10**
